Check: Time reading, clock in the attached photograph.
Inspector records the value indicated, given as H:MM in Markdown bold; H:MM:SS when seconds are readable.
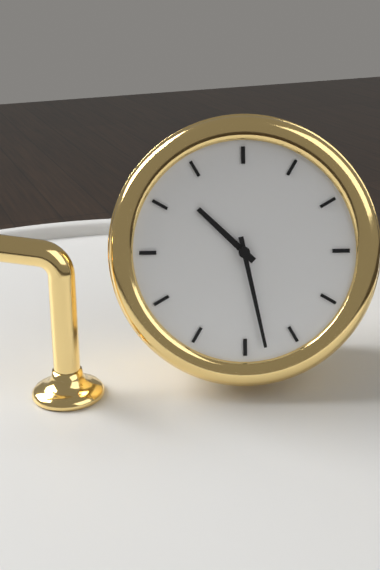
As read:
**10:28**
